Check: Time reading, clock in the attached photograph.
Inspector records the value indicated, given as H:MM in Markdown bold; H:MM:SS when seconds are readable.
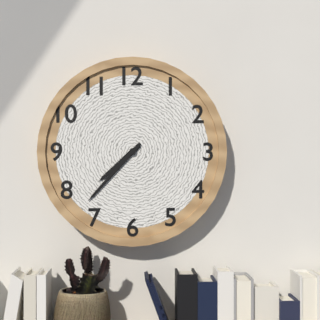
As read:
**7:37**
